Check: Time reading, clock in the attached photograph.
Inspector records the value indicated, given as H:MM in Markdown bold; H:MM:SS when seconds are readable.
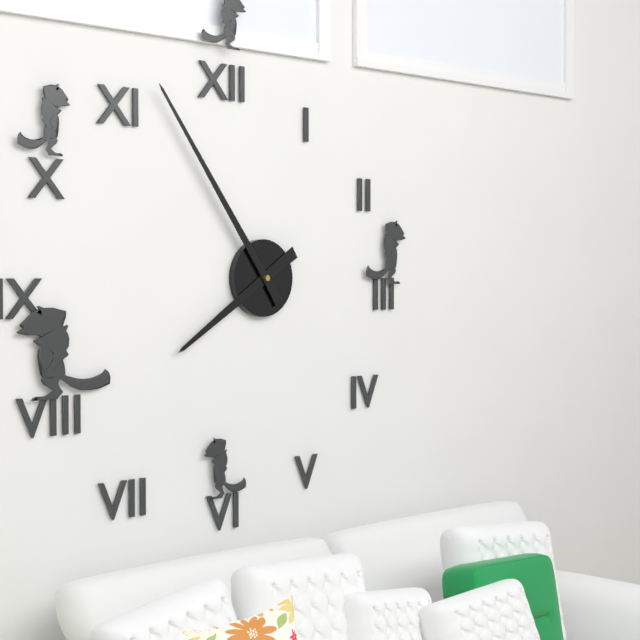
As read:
**7:54**
